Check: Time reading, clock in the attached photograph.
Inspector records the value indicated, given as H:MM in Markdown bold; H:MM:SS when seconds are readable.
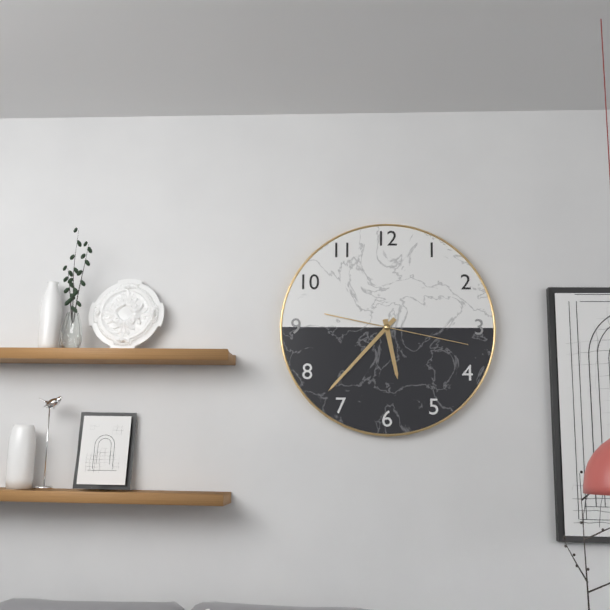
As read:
**5:37:17**
